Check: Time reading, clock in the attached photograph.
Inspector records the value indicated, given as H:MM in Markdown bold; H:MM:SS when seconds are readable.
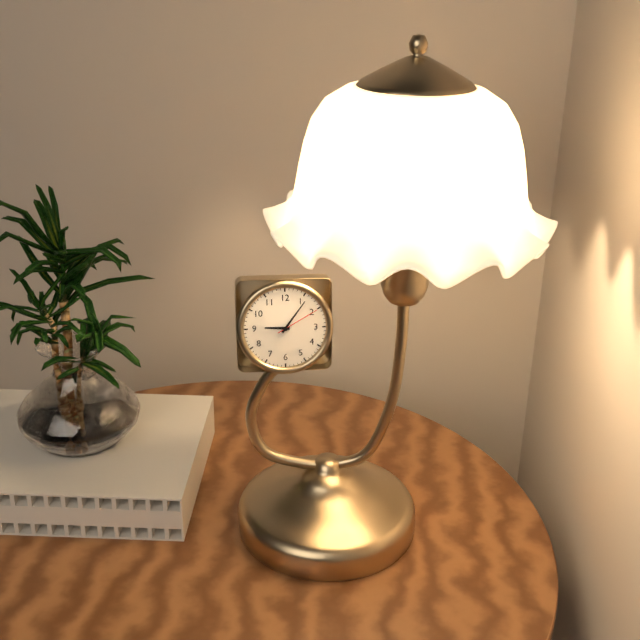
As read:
**9:06**
